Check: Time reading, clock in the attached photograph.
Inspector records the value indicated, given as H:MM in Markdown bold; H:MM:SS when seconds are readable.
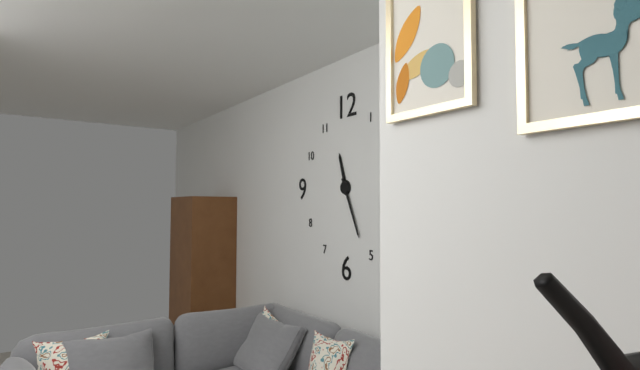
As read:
**11:26**
